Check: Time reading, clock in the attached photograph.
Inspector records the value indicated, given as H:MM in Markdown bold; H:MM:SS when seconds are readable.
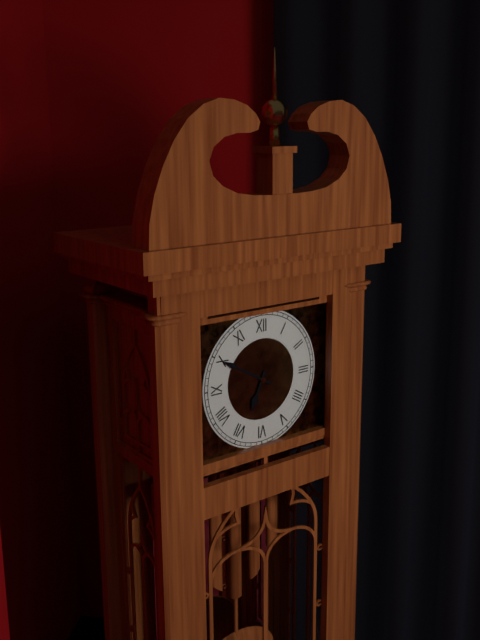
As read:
**6:50**
